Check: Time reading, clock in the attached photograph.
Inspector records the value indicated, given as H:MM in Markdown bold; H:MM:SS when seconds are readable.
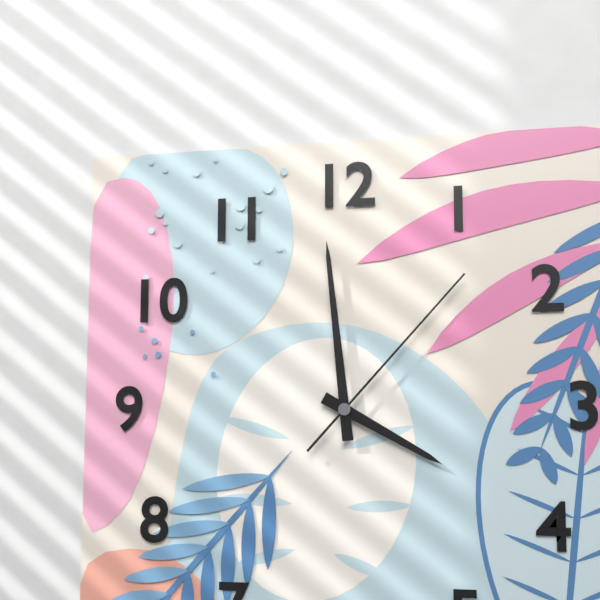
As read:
**3:59:07**
